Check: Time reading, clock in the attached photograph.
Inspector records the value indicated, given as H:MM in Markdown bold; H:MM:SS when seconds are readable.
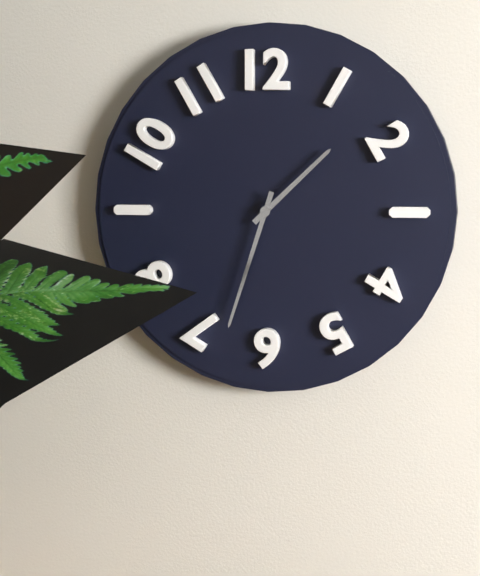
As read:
**1:33**
